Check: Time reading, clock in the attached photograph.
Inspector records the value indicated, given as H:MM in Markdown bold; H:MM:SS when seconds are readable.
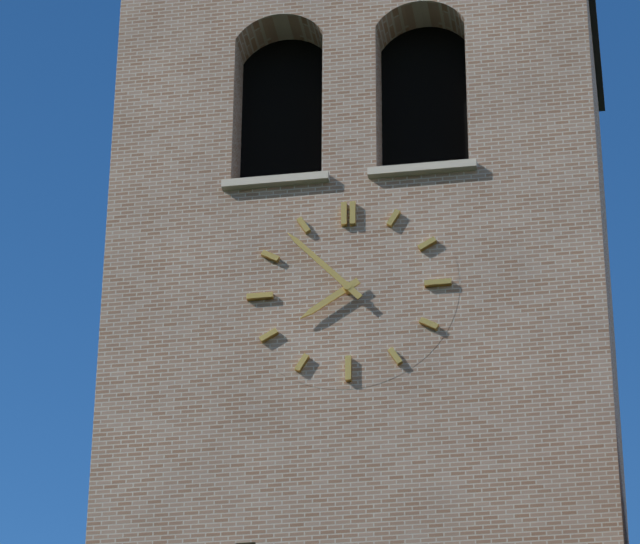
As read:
**7:53**
